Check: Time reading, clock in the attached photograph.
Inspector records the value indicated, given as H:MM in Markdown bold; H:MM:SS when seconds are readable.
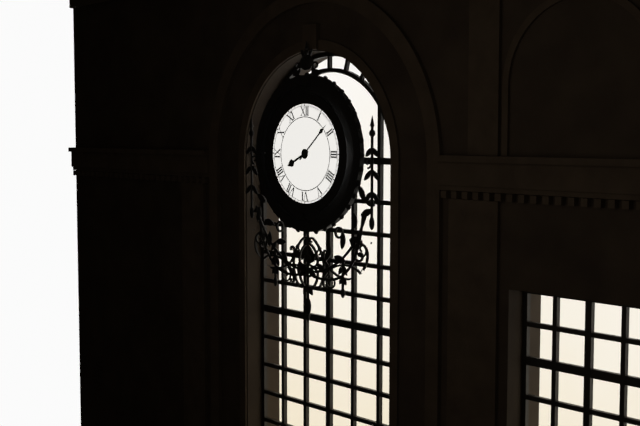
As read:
**8:08**
